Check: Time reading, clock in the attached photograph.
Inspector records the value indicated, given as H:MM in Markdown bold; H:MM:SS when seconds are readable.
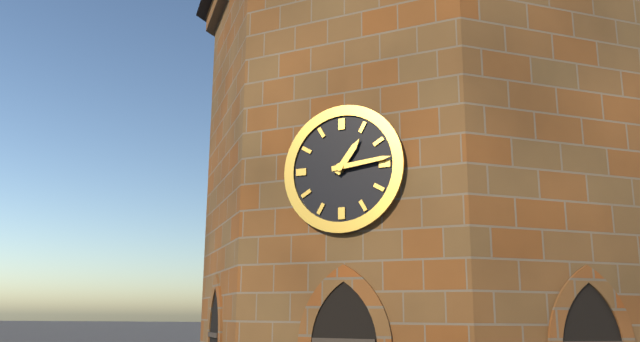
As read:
**1:14**
